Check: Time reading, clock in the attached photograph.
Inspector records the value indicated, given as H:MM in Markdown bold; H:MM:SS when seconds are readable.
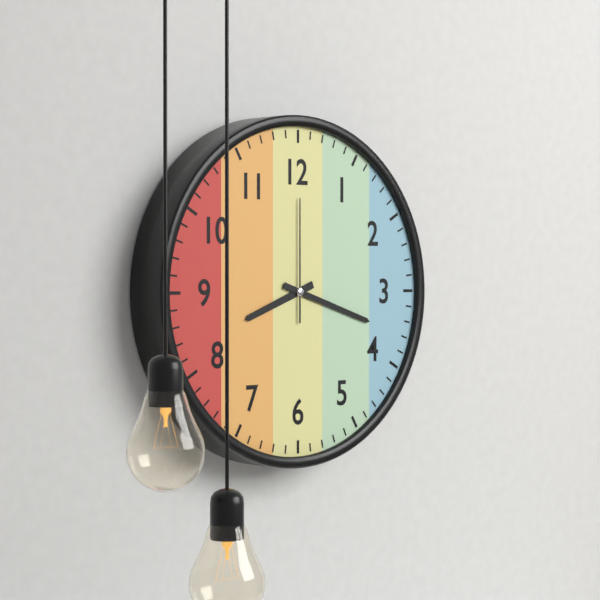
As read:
**8:18:00**
